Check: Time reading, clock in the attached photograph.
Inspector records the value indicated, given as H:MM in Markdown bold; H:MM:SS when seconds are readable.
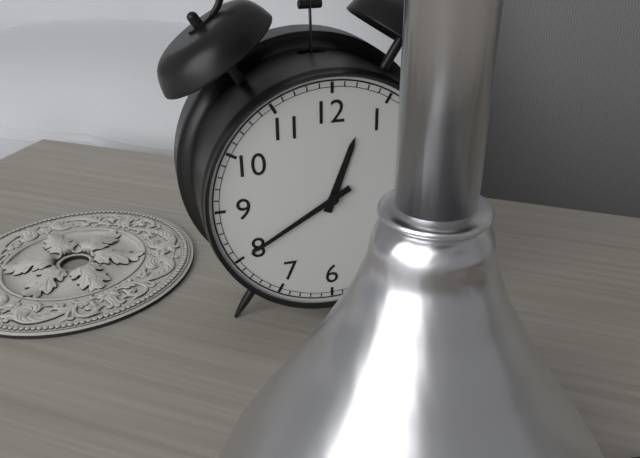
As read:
**12:40**
